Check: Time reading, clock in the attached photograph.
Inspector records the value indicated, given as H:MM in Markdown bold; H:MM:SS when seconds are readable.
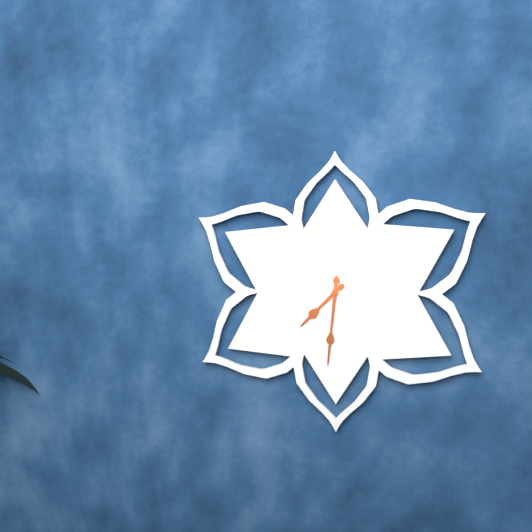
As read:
**7:31**
